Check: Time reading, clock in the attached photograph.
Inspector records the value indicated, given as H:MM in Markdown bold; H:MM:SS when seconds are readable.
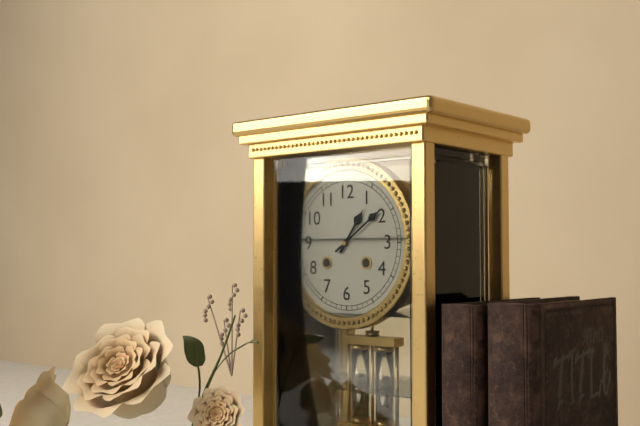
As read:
**1:09**
